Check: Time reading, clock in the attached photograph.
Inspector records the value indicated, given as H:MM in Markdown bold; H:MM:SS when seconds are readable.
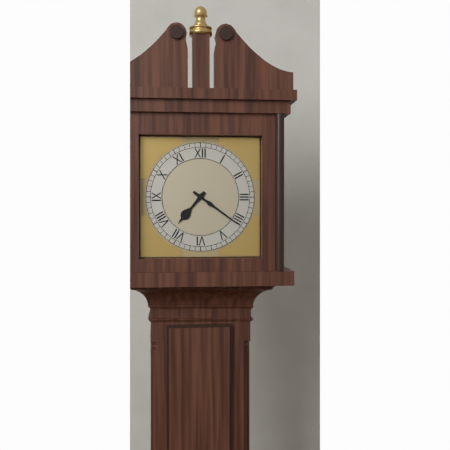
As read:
**7:21**
